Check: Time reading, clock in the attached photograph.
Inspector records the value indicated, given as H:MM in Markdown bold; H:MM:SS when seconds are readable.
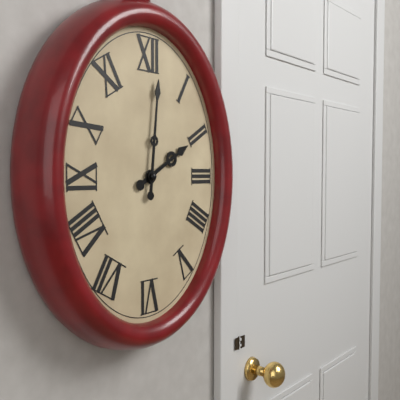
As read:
**2:01**
